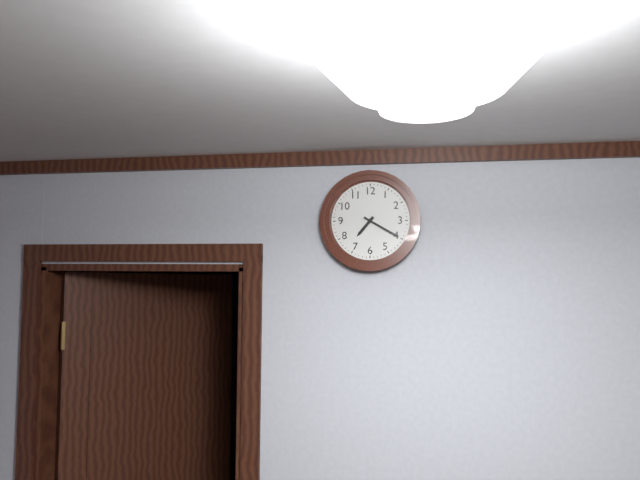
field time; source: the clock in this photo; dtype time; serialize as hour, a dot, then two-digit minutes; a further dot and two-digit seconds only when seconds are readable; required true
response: 7.20
